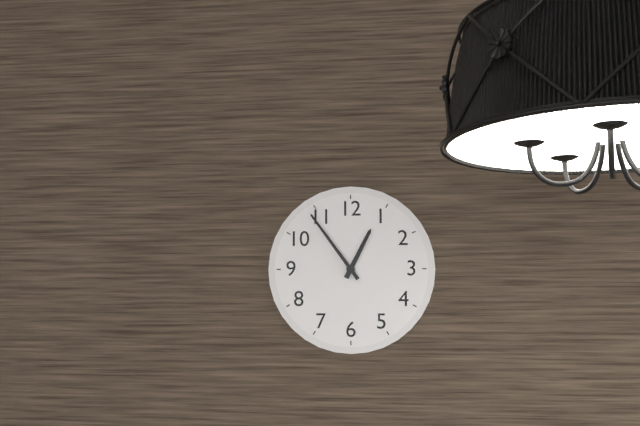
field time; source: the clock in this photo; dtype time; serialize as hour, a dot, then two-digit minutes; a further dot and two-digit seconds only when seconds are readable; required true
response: 12.54
